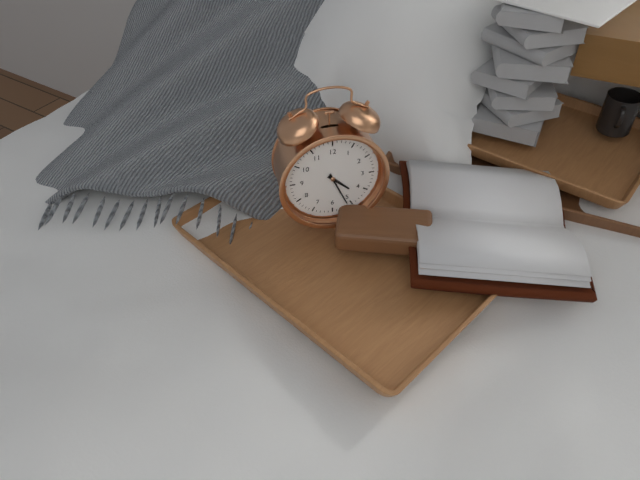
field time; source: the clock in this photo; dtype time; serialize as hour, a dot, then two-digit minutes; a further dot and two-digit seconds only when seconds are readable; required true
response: 4.26
